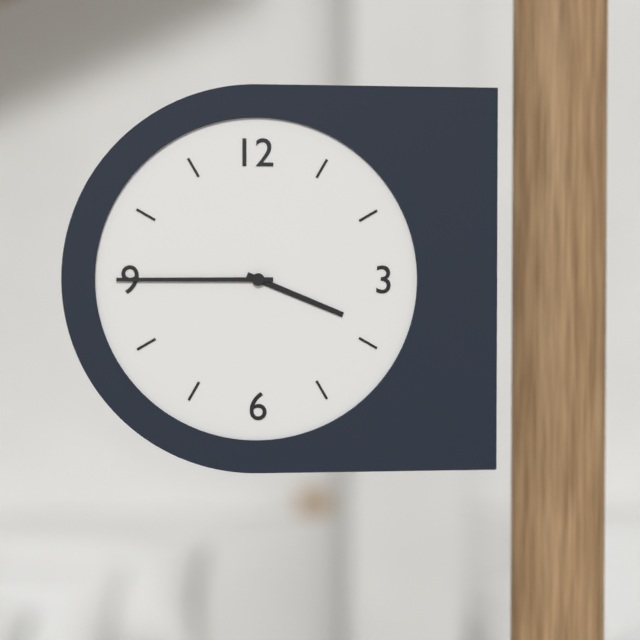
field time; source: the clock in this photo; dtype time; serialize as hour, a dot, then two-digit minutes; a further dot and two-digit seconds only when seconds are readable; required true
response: 3.45
